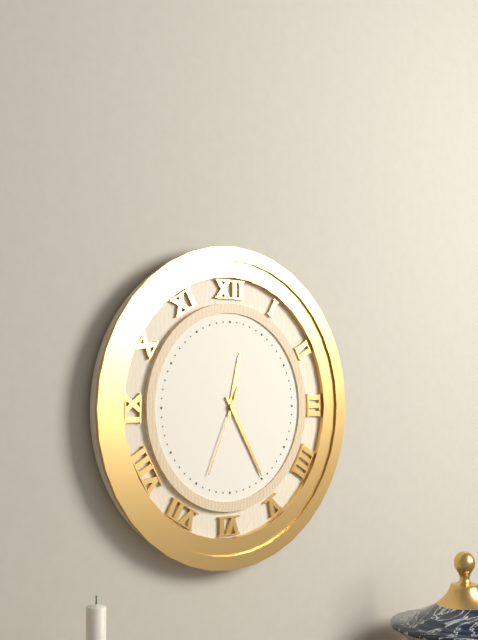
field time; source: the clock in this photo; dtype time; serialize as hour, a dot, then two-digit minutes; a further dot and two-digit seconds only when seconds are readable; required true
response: 12.25.34
